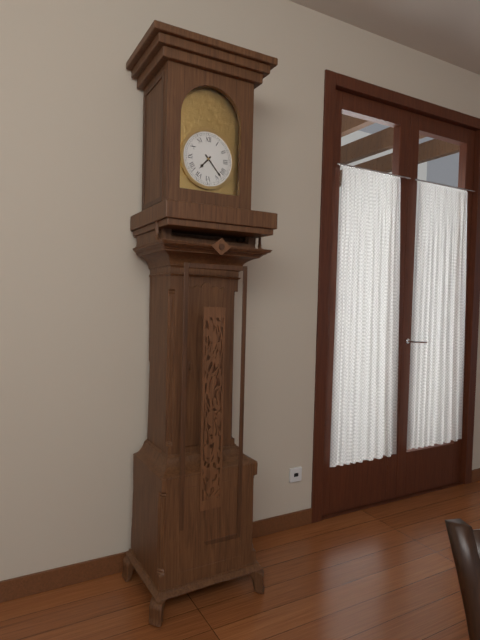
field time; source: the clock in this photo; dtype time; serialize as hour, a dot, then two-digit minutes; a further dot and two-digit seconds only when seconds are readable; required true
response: 7.23
